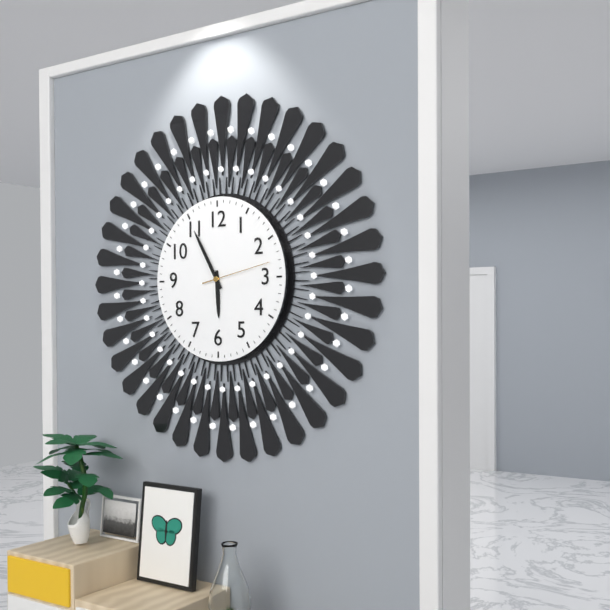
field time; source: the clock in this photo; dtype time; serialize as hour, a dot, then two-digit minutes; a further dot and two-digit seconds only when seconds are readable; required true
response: 5.55.13
